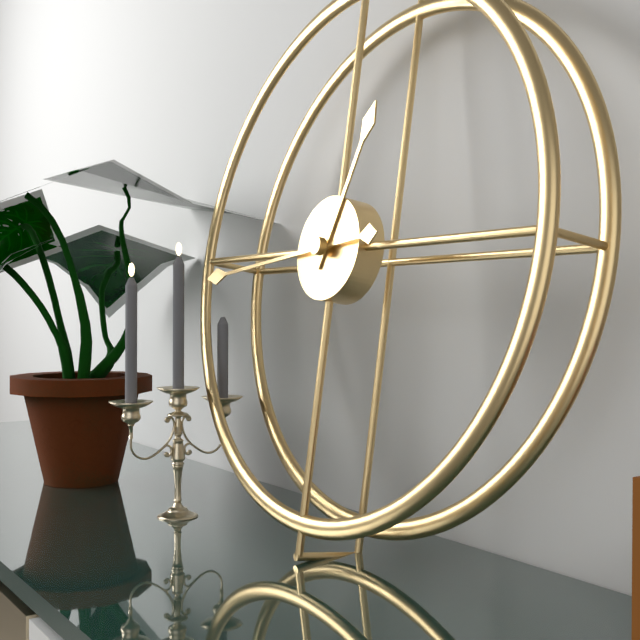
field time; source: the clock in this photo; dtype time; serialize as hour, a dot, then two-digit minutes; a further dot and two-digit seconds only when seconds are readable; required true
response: 12.44
